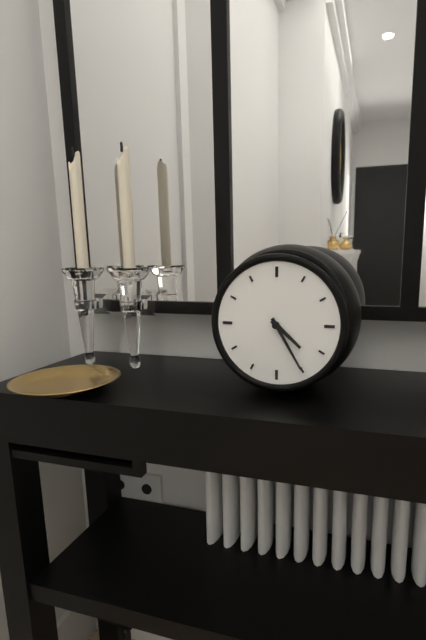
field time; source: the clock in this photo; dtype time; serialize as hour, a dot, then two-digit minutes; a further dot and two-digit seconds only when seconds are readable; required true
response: 4.25
